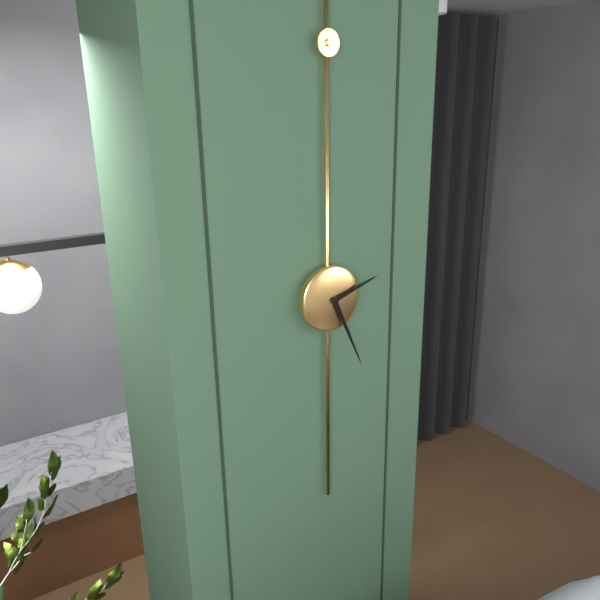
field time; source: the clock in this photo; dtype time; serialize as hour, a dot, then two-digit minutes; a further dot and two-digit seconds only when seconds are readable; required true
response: 2.26
